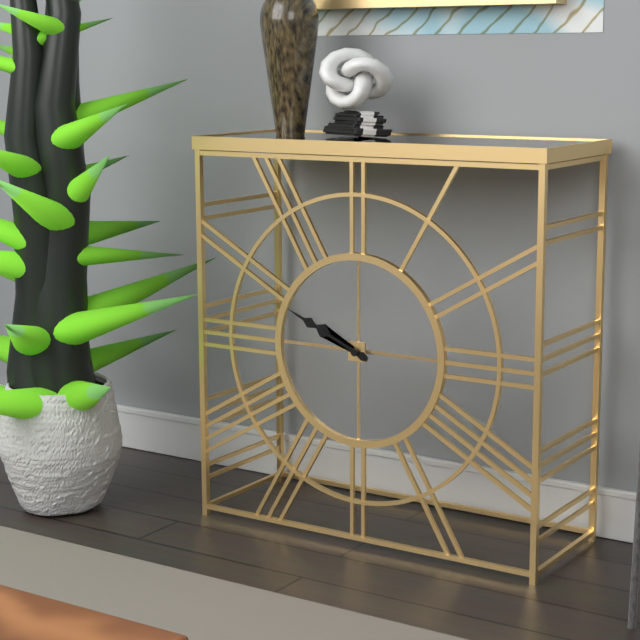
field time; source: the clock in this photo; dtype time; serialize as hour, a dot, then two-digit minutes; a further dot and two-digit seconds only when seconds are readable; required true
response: 9.49
